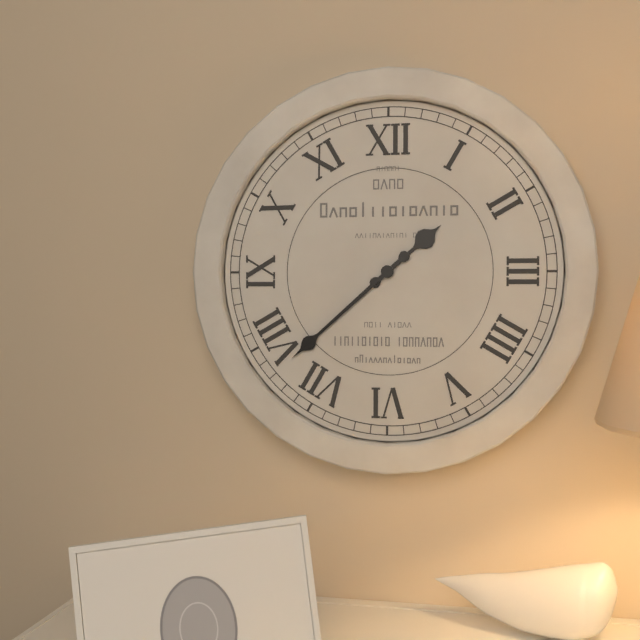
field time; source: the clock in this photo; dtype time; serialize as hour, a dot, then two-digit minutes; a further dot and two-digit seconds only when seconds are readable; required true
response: 1.38
